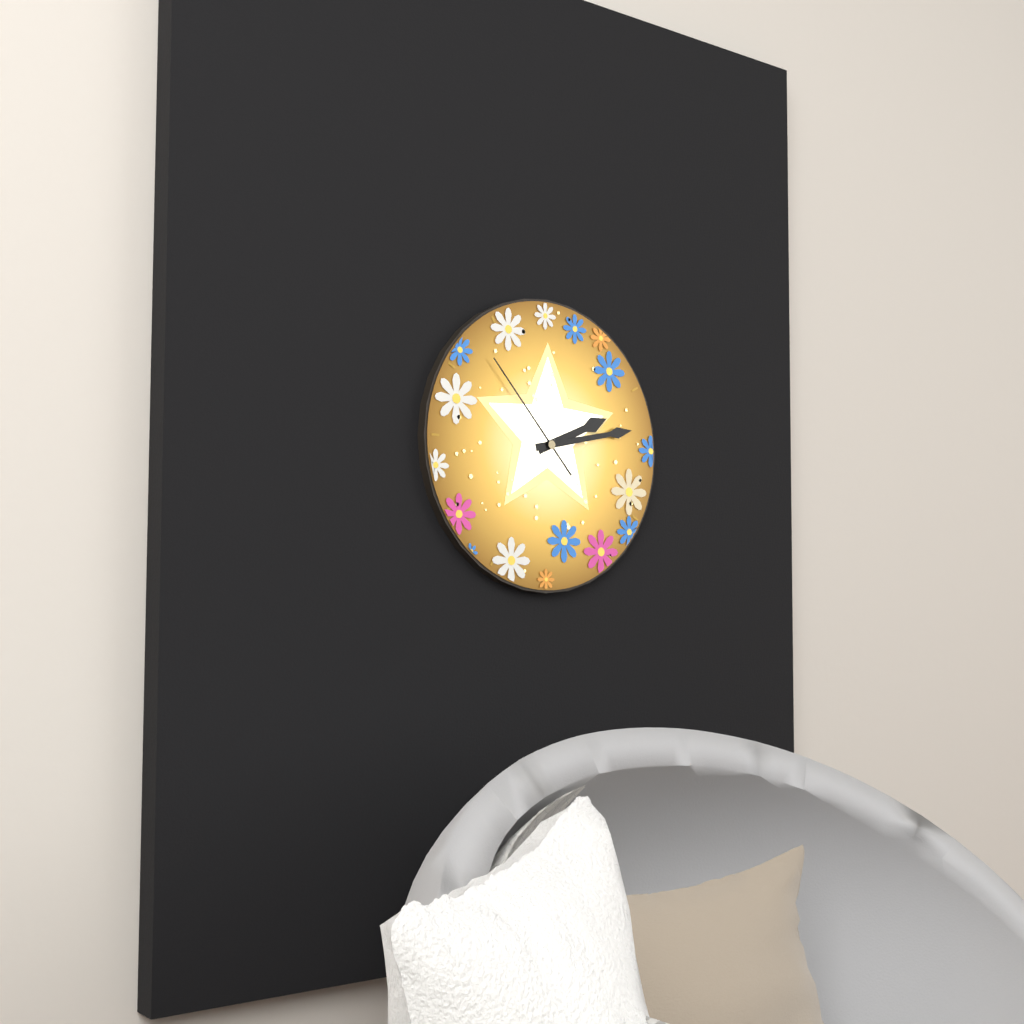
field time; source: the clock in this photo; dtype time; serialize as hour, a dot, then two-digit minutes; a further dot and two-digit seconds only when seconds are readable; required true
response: 2.13.53
